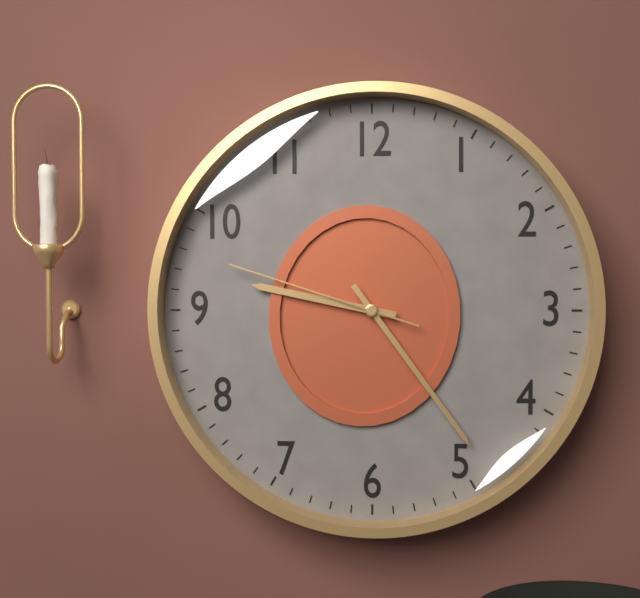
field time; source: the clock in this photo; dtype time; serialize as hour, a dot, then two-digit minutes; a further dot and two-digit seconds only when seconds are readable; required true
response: 9.24.48
